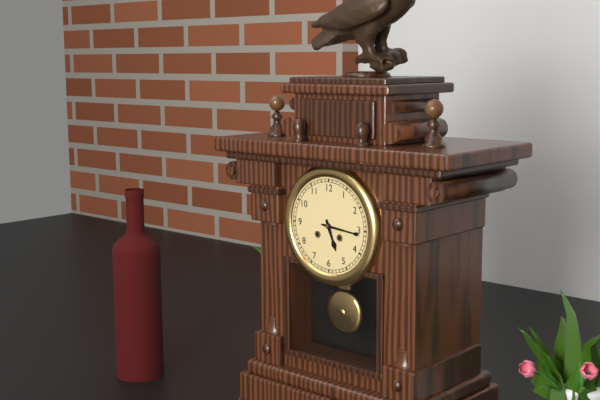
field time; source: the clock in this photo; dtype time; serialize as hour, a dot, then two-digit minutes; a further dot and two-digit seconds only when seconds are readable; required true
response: 5.16
